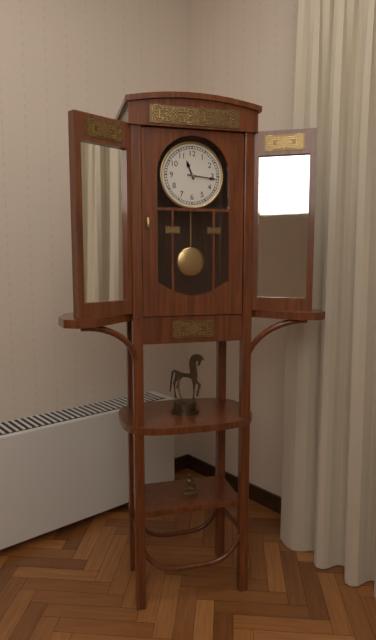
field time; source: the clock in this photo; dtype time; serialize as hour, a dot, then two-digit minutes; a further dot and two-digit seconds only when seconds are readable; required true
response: 11.16
